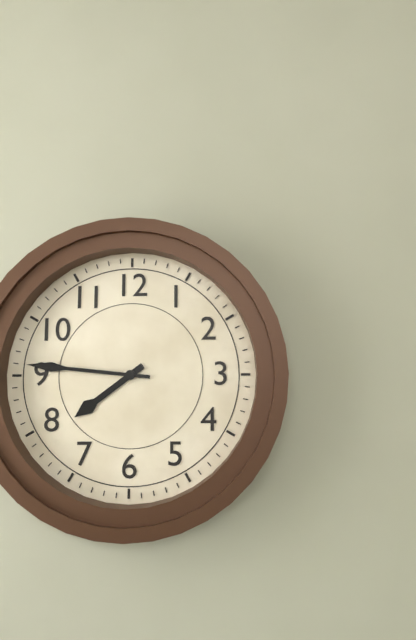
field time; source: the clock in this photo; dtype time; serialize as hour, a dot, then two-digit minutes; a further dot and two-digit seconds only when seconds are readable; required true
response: 7.46
